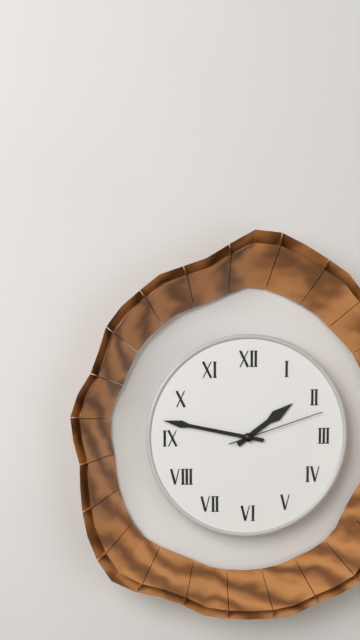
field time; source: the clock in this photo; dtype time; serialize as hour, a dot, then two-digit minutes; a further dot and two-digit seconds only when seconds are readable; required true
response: 1.47.12
